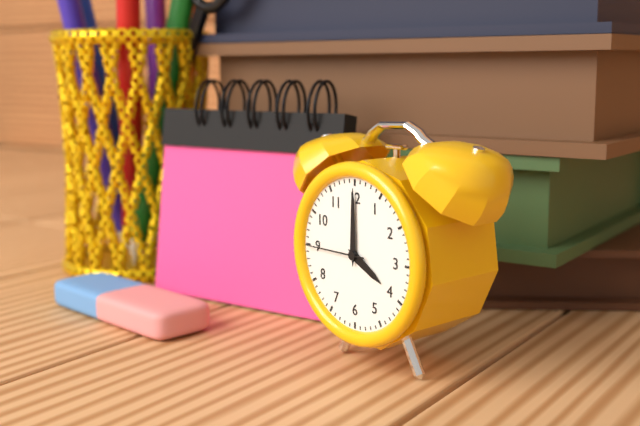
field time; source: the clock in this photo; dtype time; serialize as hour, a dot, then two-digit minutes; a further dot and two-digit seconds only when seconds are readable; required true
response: 4.00.45
